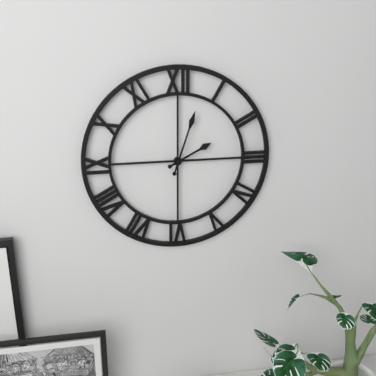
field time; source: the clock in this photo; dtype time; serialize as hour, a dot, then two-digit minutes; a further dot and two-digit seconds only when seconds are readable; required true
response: 2.03
